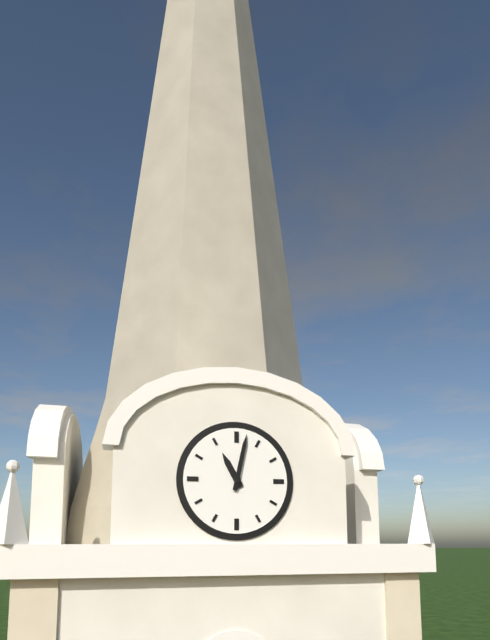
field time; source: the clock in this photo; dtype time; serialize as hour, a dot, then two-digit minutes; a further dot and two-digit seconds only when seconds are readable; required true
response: 11.02
